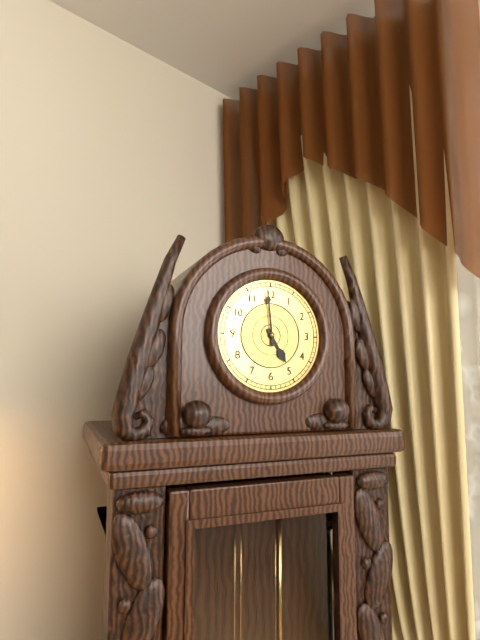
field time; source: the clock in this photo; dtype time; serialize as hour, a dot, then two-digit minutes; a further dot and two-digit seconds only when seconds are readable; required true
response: 4.59
